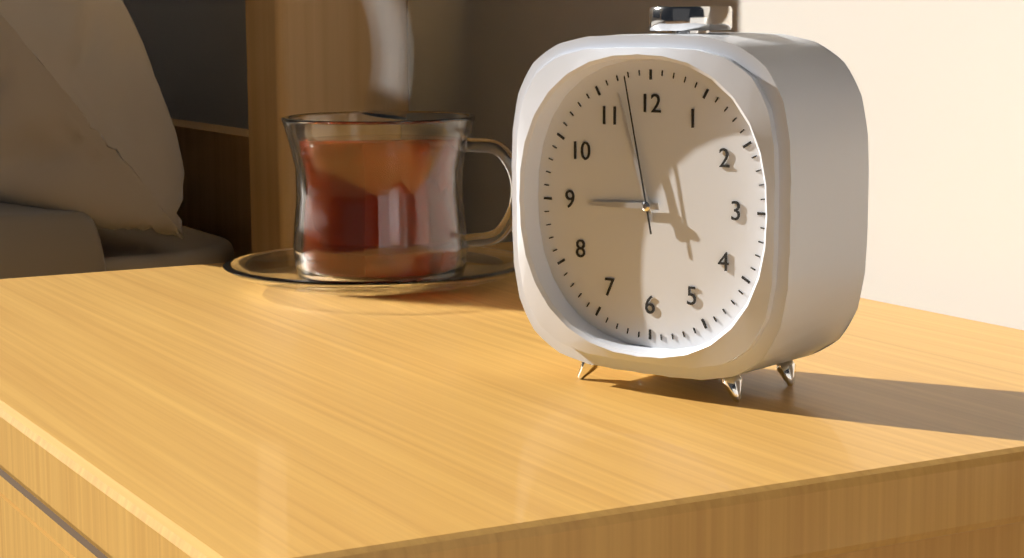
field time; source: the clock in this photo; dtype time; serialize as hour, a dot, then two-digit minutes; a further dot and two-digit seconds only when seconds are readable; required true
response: 8.57.58
